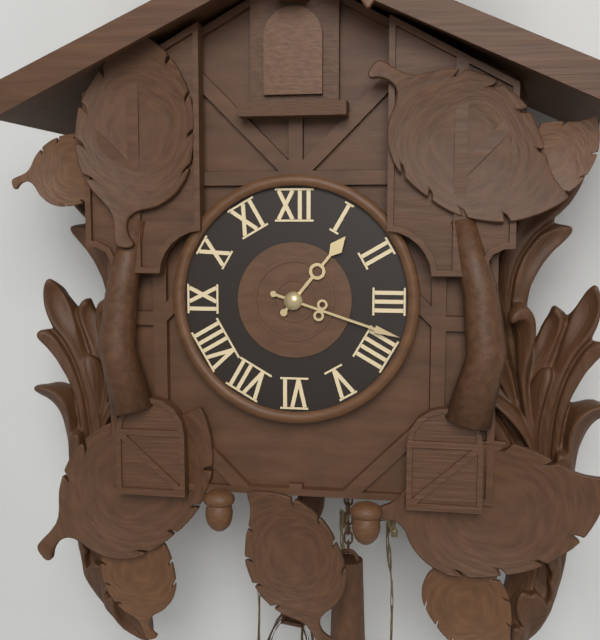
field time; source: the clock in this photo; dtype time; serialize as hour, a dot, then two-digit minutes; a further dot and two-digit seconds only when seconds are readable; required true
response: 1.18
